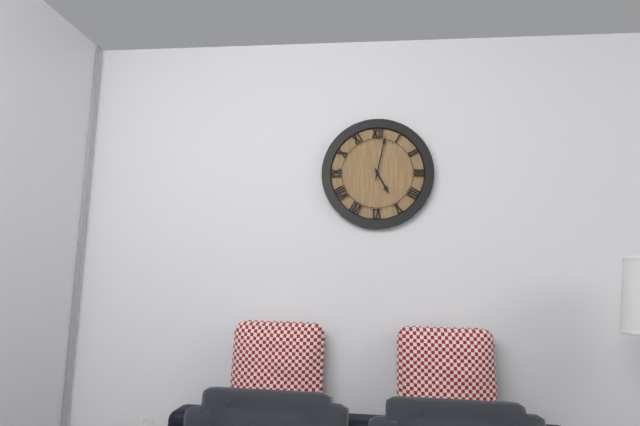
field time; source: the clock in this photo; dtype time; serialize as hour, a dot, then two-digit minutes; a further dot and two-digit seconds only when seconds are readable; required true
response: 5.02
